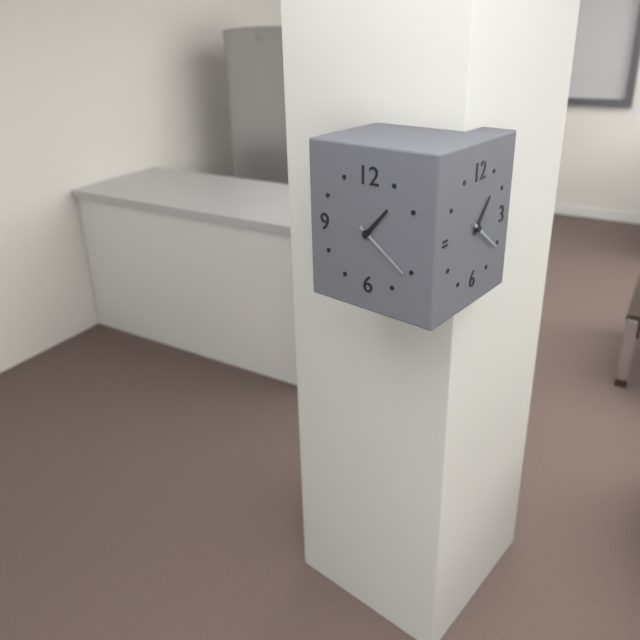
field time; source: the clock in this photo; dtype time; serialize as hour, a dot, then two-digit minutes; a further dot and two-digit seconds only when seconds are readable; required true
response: 1.21
